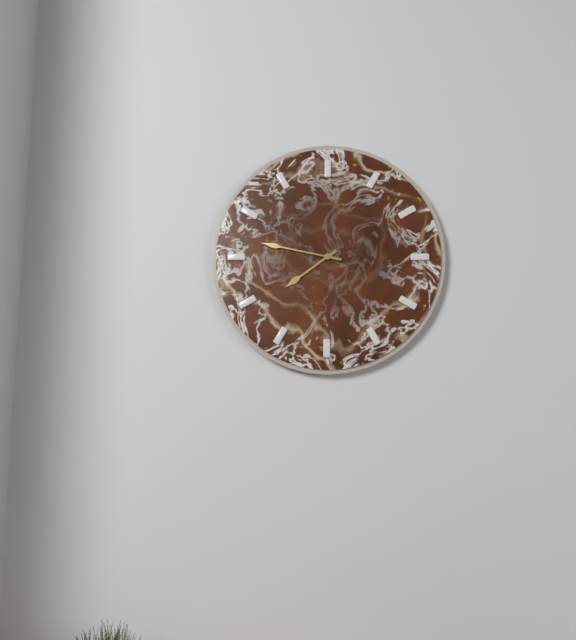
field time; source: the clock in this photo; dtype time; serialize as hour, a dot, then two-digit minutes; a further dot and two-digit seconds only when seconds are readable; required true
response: 7.47
